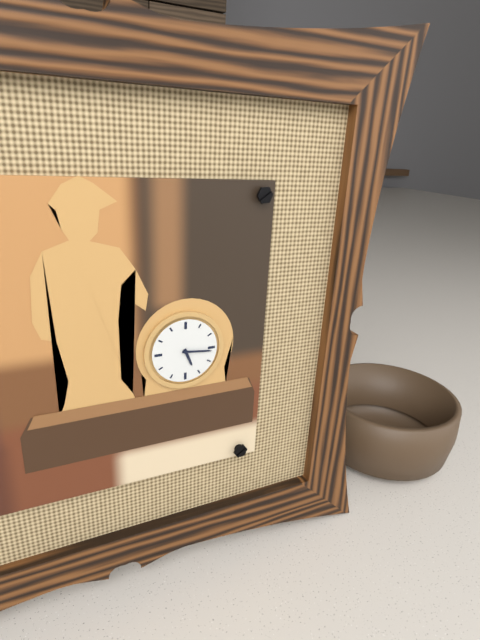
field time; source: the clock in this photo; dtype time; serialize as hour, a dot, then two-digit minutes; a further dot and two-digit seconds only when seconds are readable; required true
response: 5.16
